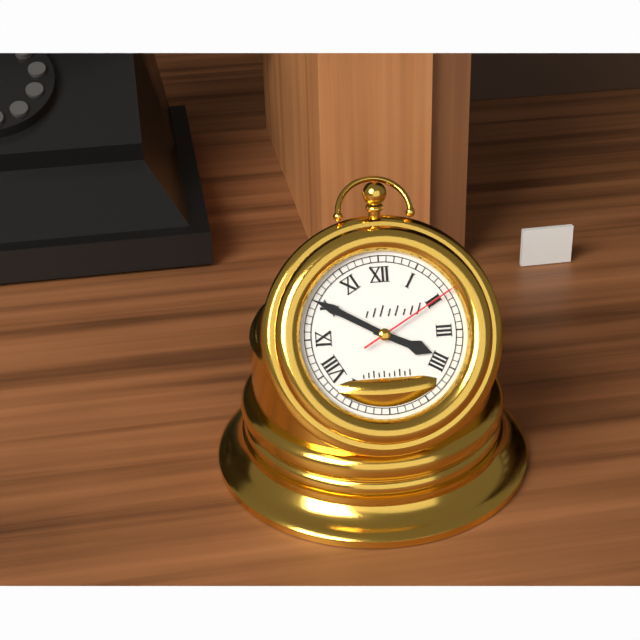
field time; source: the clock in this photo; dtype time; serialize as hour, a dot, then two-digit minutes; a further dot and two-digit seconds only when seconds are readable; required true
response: 3.50.10
